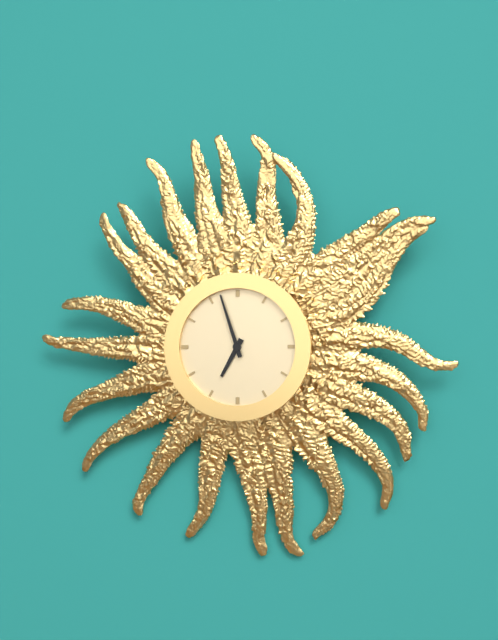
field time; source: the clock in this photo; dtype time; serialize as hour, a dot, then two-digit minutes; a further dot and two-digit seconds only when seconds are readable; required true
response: 6.57
